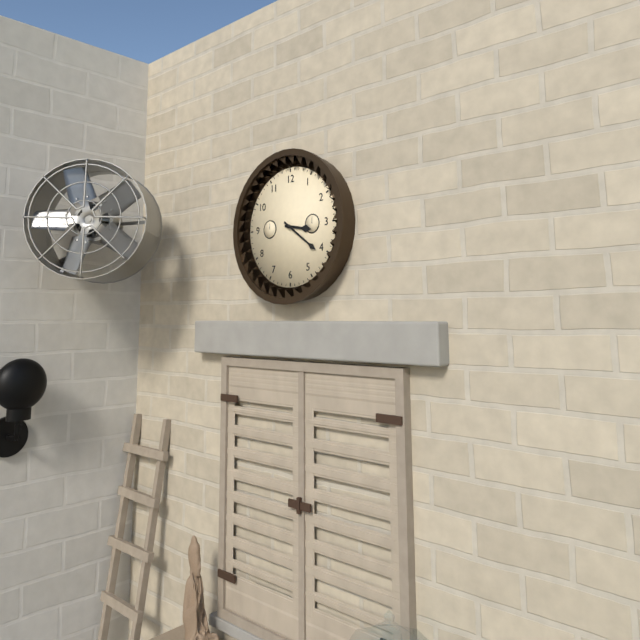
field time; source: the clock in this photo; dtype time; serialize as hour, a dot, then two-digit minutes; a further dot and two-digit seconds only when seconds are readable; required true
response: 3.21
